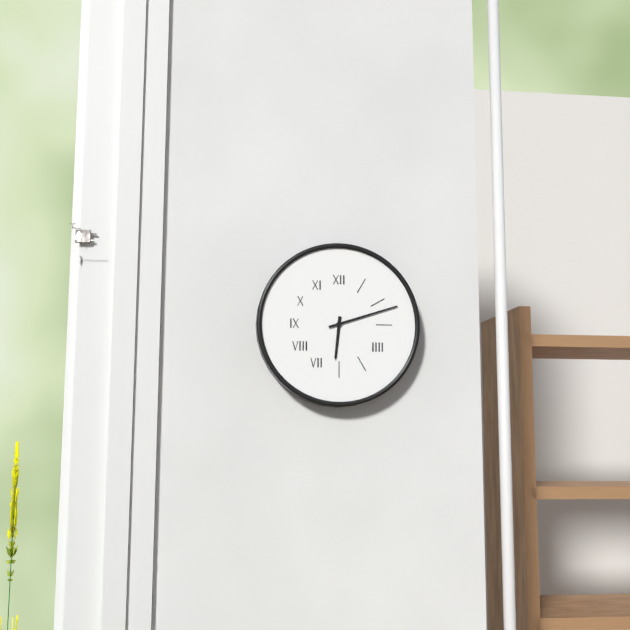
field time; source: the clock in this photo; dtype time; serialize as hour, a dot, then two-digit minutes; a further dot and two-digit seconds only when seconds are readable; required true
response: 6.12
